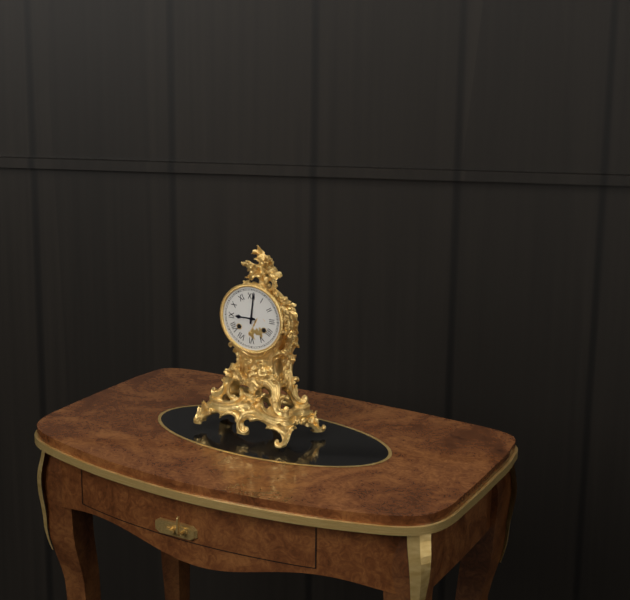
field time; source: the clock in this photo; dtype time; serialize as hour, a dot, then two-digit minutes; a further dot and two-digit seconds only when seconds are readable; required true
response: 9.01
